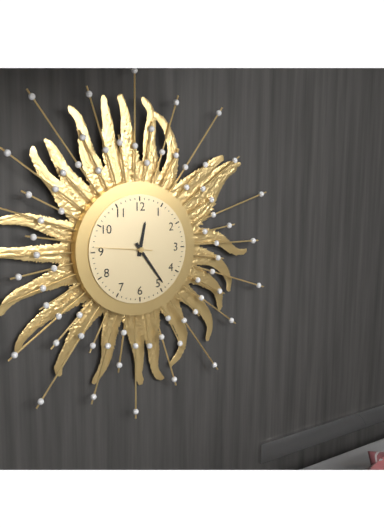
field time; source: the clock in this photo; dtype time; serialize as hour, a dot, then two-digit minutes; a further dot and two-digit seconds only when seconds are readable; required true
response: 12.24.46
